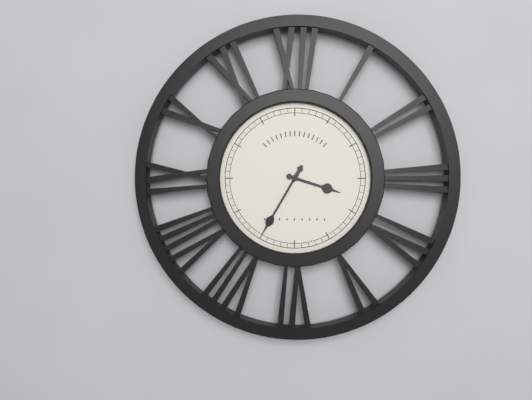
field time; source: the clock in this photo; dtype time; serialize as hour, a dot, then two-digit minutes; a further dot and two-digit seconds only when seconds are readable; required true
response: 3.35
